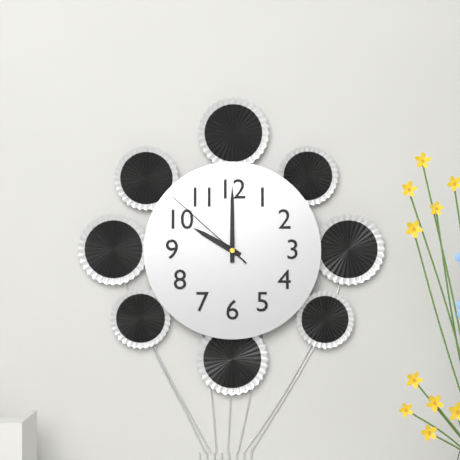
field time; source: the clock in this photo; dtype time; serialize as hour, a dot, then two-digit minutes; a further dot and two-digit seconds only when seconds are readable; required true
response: 10.00.52
